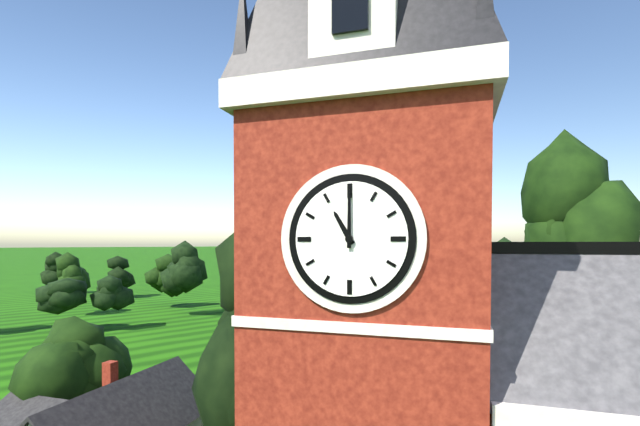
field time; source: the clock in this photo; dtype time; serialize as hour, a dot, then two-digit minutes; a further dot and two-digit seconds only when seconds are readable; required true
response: 11.00
